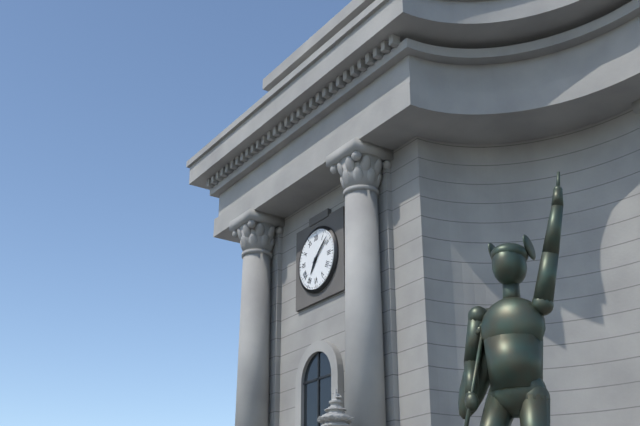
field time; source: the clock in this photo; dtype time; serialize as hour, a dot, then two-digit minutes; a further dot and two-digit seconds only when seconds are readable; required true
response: 7.08
